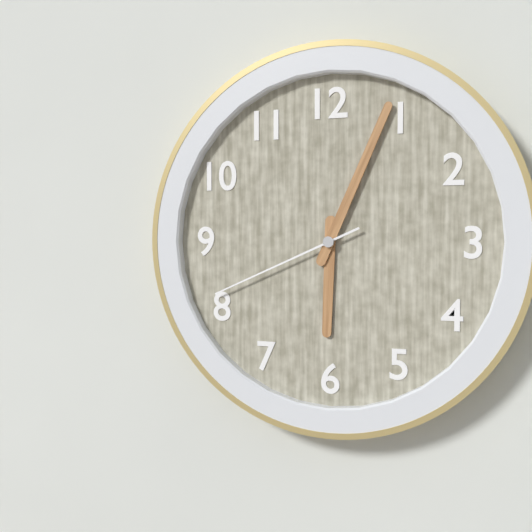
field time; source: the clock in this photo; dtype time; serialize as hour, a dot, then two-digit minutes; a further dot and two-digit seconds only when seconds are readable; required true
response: 6.04.41
